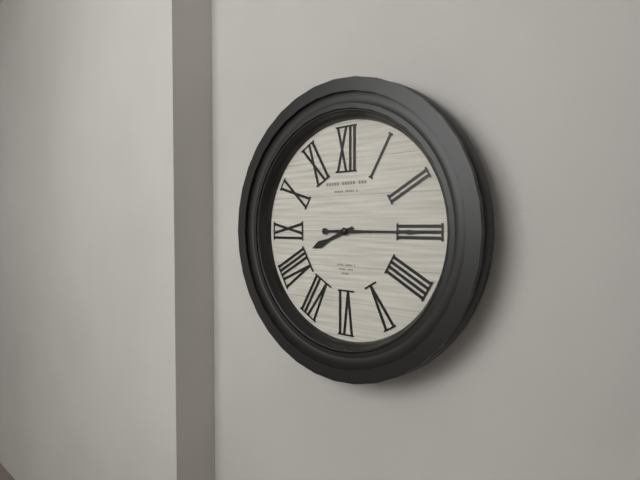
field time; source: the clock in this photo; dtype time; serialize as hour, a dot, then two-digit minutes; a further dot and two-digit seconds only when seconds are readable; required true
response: 8.15
